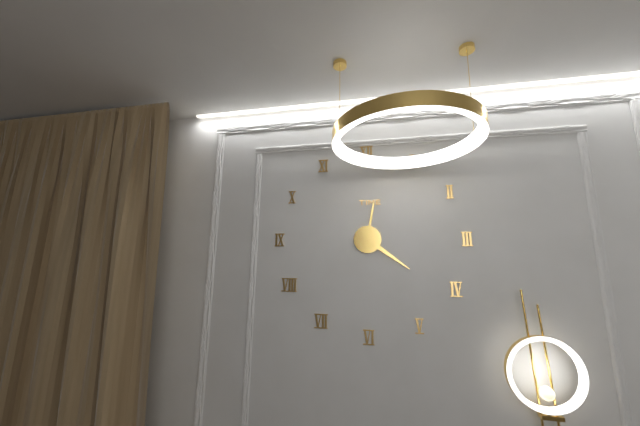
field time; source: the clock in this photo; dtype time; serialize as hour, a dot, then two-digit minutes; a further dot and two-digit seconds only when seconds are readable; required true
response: 12.21
